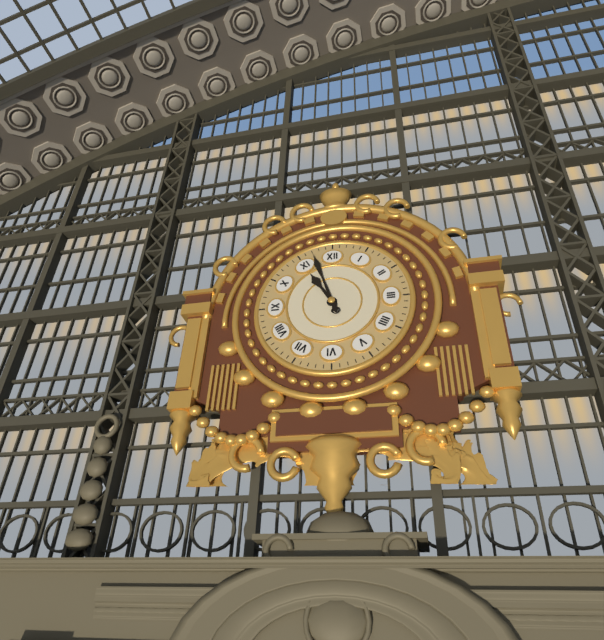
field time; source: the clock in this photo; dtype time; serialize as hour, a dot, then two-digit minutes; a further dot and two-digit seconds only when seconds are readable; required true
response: 10.57
